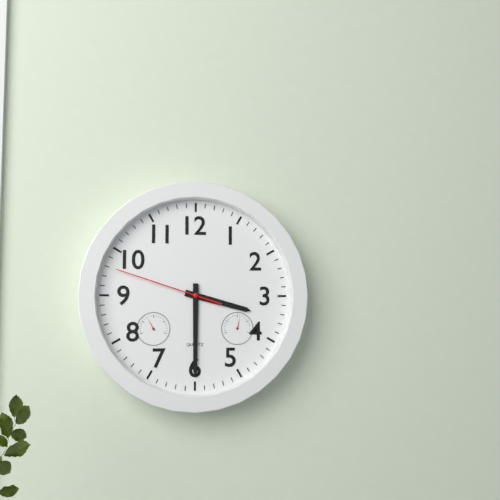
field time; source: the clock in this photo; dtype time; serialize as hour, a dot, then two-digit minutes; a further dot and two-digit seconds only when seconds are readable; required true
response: 3.30.48
